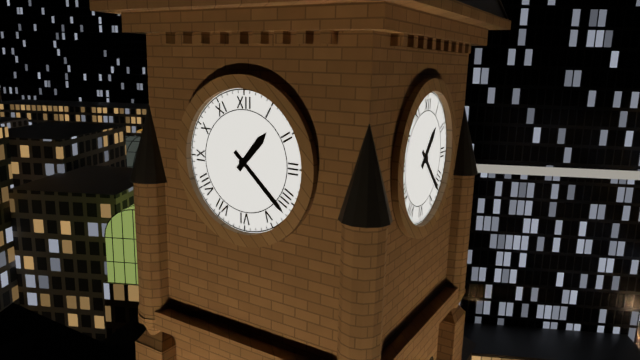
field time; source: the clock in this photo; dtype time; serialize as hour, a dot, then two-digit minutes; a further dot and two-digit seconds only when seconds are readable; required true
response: 1.22
